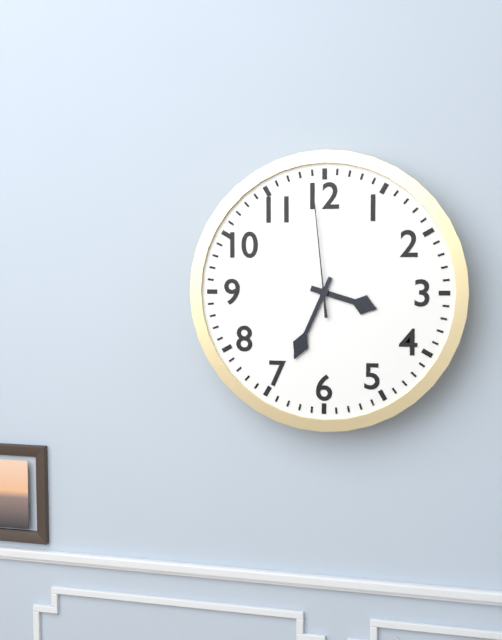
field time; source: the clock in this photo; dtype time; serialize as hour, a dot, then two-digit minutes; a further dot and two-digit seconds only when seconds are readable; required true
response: 3.34.59
